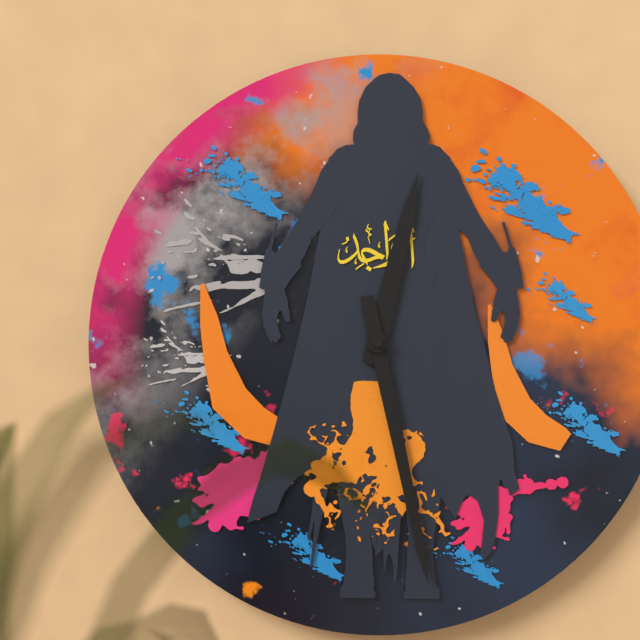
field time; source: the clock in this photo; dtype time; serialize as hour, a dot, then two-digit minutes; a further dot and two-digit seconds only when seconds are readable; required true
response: 12.28
